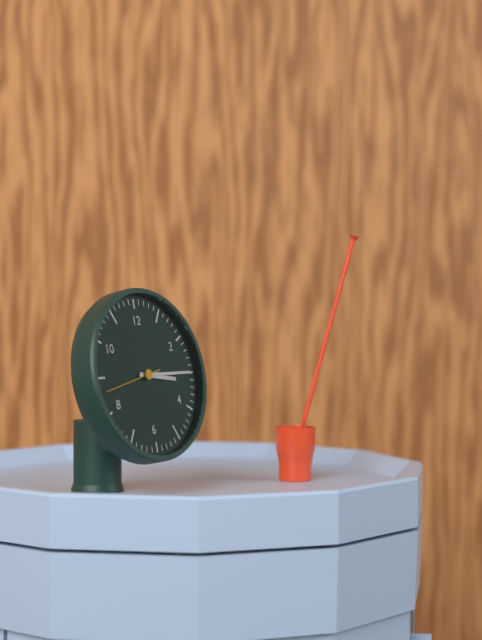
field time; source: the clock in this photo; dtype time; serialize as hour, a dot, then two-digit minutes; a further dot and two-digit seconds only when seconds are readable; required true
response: 3.15.43
